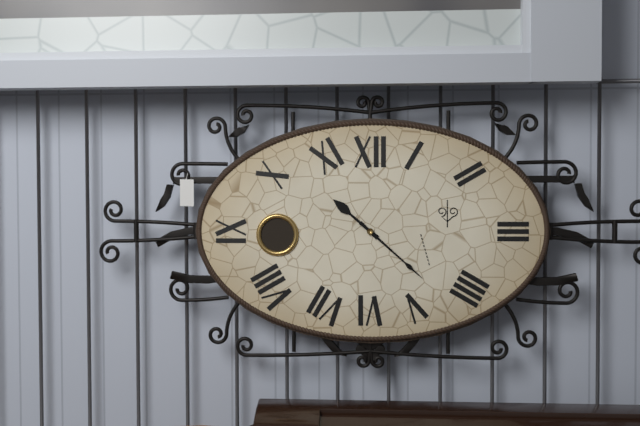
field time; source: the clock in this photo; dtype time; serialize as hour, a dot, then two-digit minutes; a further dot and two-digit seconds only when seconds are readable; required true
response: 10.22
